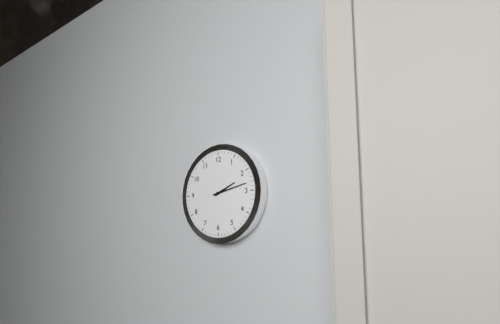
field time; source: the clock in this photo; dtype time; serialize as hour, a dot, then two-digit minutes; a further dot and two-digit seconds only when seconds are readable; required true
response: 2.13
